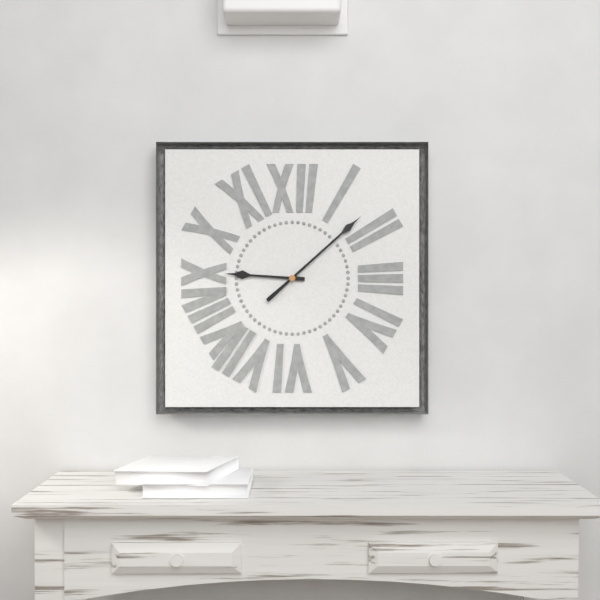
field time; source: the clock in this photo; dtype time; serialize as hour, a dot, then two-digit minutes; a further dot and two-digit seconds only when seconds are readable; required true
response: 9.08
